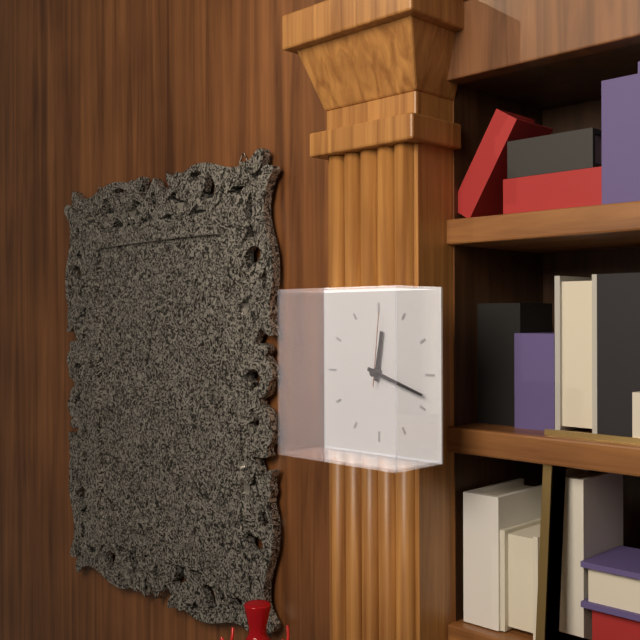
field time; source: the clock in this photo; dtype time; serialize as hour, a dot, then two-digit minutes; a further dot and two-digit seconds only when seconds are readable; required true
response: 12.18.01
